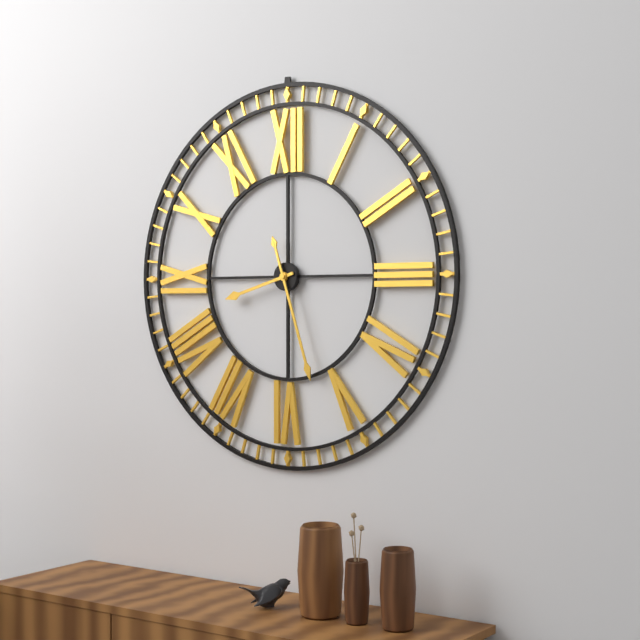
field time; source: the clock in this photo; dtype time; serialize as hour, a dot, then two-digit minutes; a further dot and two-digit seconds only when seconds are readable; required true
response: 8.27
